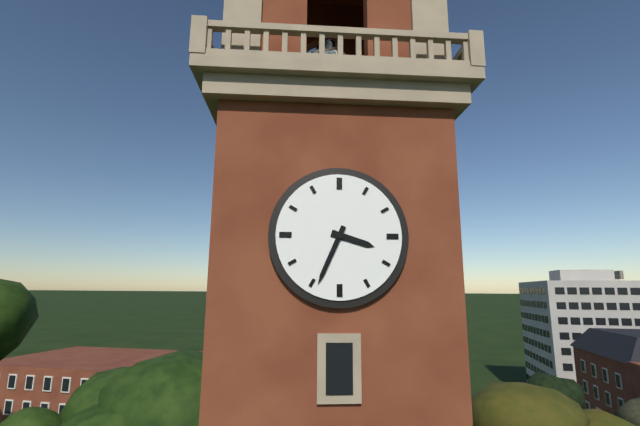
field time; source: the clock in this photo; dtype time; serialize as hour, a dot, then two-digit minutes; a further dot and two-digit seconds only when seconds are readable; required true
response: 3.34
